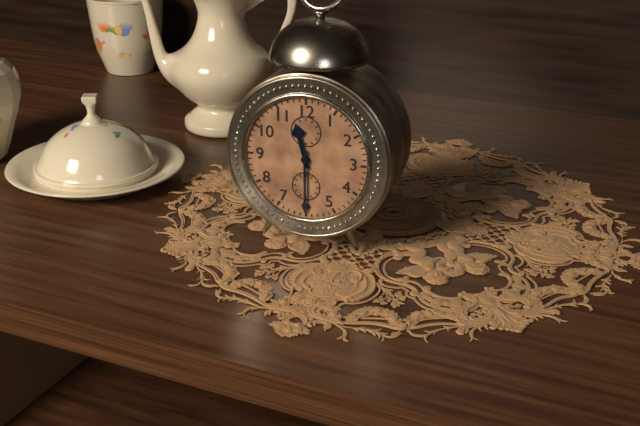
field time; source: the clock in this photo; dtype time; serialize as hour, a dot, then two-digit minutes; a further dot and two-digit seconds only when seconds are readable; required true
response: 11.30
